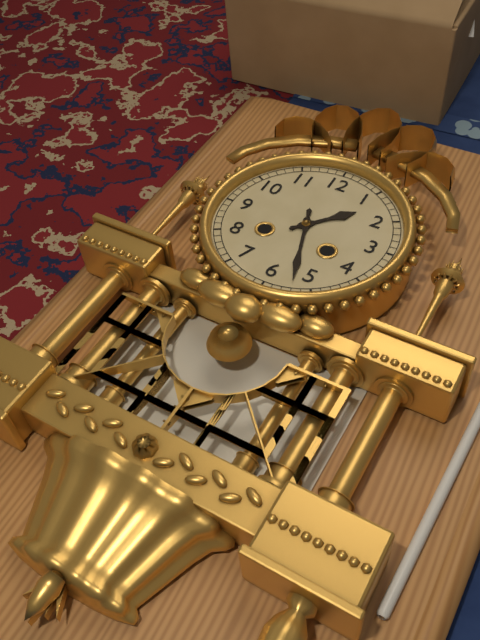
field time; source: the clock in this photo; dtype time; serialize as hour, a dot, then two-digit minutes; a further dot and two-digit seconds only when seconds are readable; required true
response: 1.27
